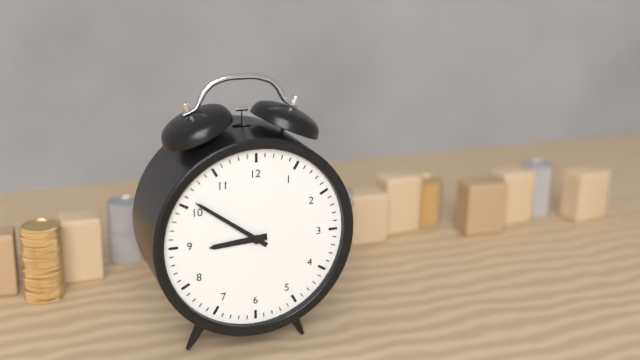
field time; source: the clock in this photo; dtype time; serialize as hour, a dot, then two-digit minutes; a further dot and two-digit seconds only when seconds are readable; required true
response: 8.51
